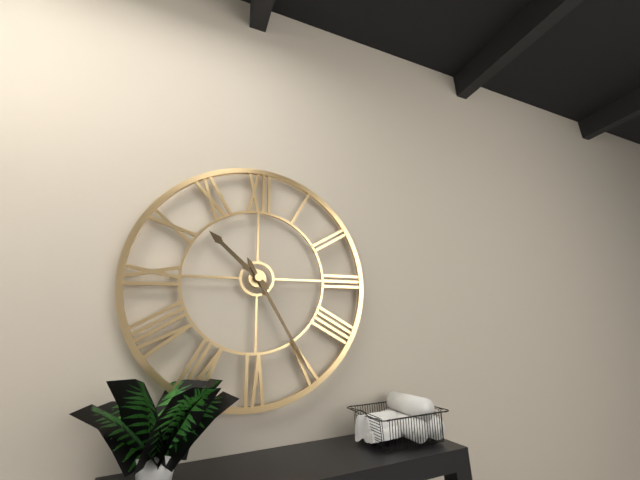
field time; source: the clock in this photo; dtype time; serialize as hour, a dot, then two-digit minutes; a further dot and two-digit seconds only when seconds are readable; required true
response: 10.25
